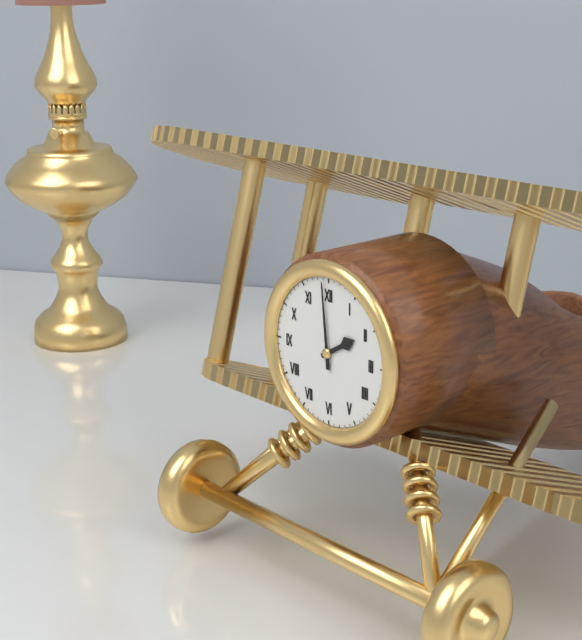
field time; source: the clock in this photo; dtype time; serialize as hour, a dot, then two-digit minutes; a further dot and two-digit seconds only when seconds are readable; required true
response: 1.59
